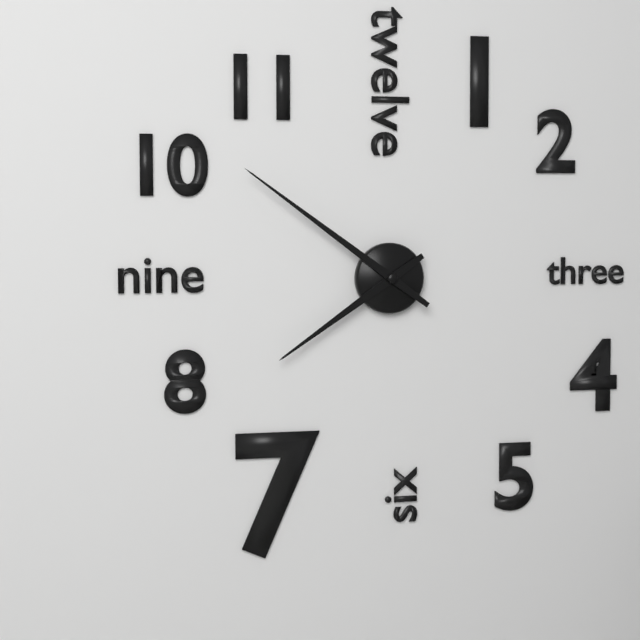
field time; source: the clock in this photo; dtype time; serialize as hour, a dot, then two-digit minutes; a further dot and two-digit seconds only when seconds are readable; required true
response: 7.51
